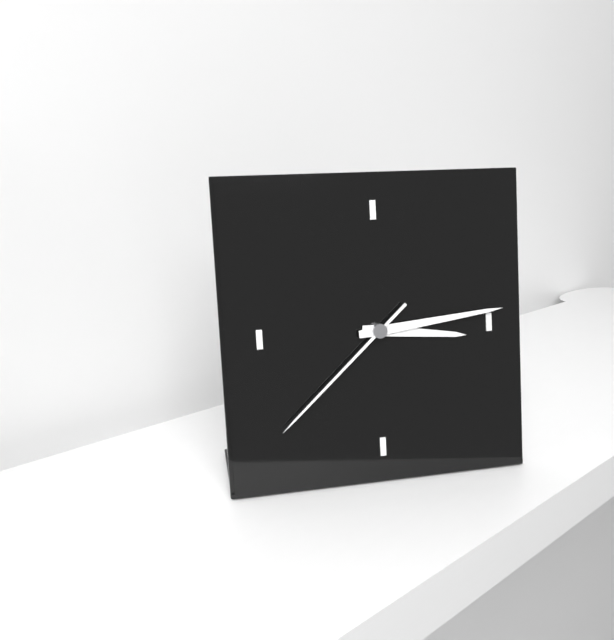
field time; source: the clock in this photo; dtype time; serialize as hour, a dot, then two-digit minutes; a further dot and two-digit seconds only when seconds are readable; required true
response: 3.14.38
